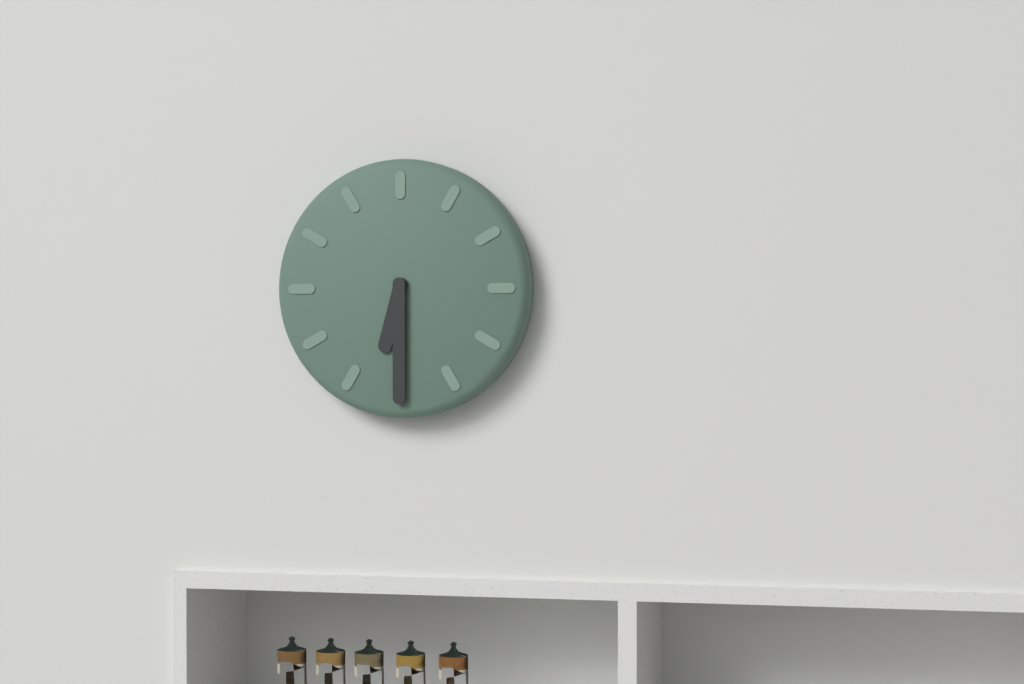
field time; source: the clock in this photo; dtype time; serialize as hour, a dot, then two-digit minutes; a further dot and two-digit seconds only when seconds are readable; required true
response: 6.30
